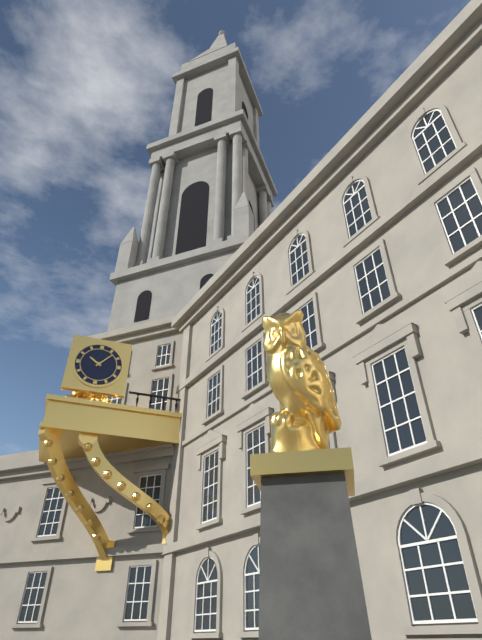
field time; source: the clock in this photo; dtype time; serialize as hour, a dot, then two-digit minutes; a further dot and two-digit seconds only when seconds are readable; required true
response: 10.07
